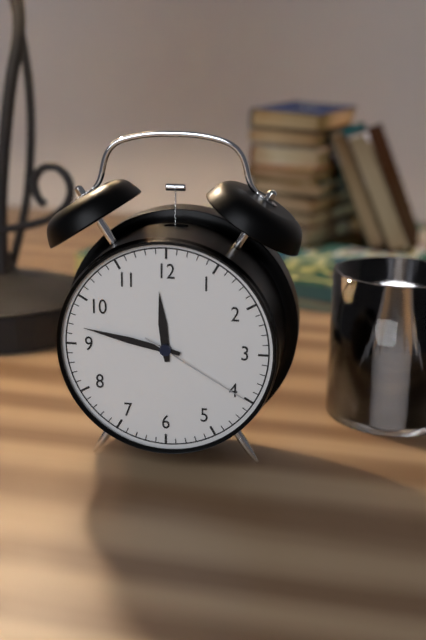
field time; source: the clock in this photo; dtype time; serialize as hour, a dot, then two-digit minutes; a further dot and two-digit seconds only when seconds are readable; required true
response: 11.47.20
